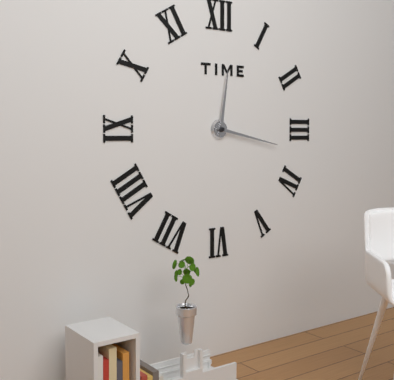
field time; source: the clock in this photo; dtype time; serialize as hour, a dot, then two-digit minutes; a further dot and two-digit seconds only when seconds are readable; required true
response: 12.17
